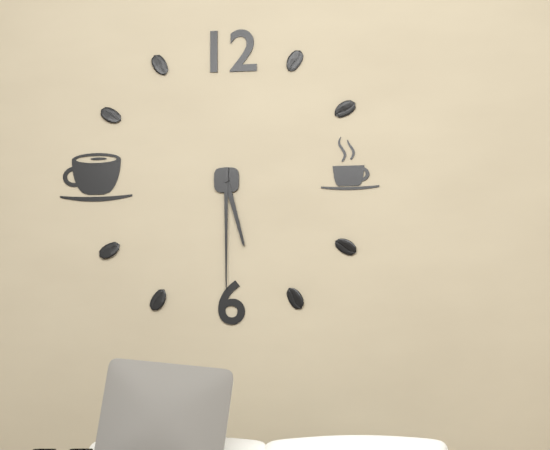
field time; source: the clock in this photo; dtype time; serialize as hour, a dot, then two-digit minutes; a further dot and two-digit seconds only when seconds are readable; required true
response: 5.30
